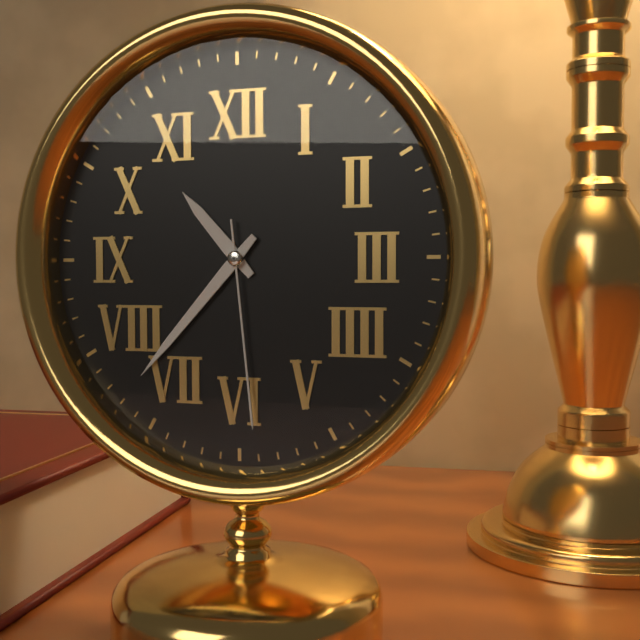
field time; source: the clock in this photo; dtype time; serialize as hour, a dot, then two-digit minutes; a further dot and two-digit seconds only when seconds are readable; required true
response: 10.37.29
